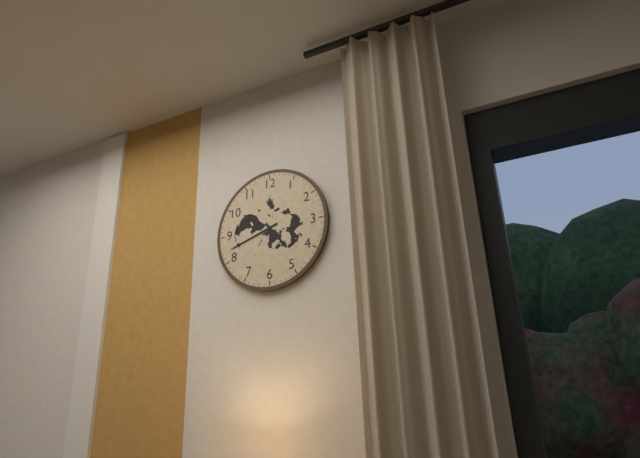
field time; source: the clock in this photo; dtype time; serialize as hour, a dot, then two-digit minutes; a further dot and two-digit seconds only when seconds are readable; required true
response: 4.42
